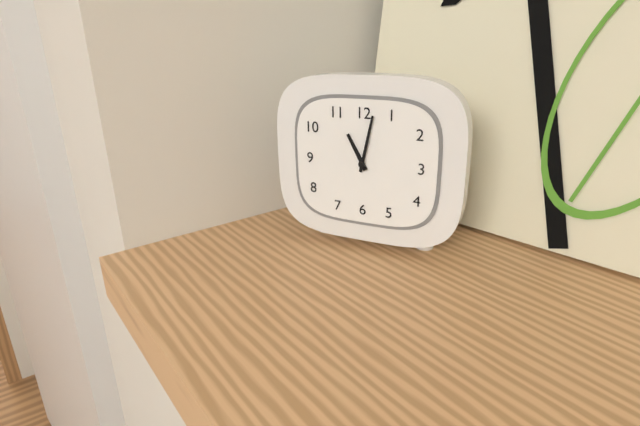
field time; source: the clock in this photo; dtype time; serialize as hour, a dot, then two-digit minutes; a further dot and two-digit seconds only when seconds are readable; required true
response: 11.02
